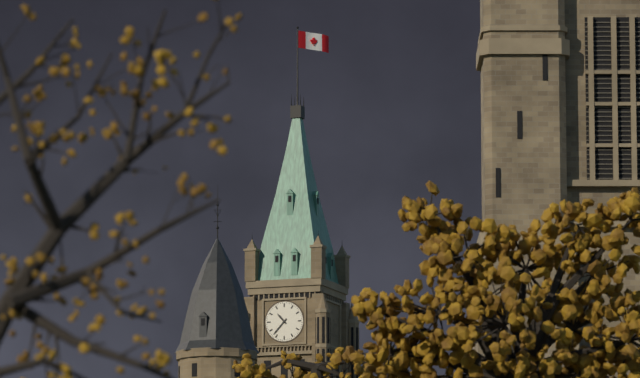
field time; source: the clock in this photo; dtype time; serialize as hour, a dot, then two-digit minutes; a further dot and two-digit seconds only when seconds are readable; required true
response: 10.37
